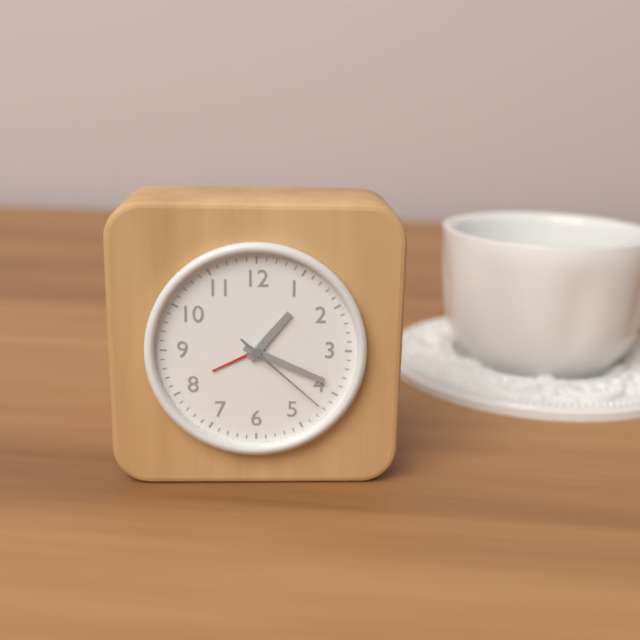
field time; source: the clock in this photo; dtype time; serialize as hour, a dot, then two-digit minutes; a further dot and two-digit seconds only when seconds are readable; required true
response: 1.19.22
